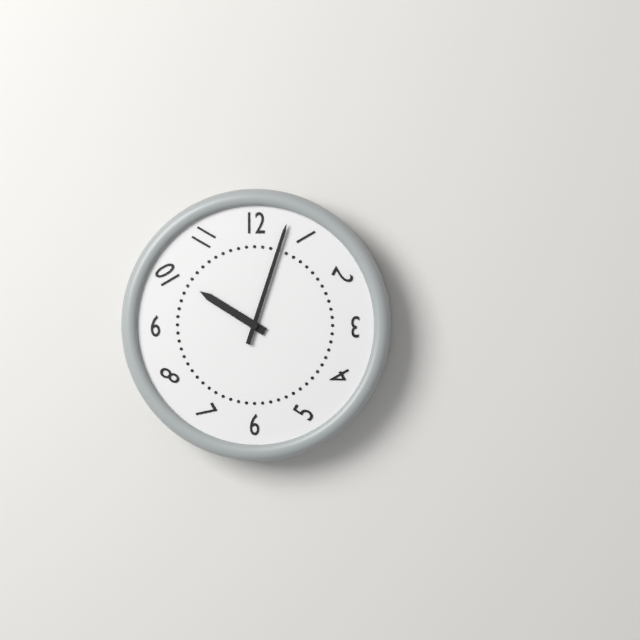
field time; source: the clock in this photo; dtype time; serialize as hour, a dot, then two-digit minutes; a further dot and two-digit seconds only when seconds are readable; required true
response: 10.03
